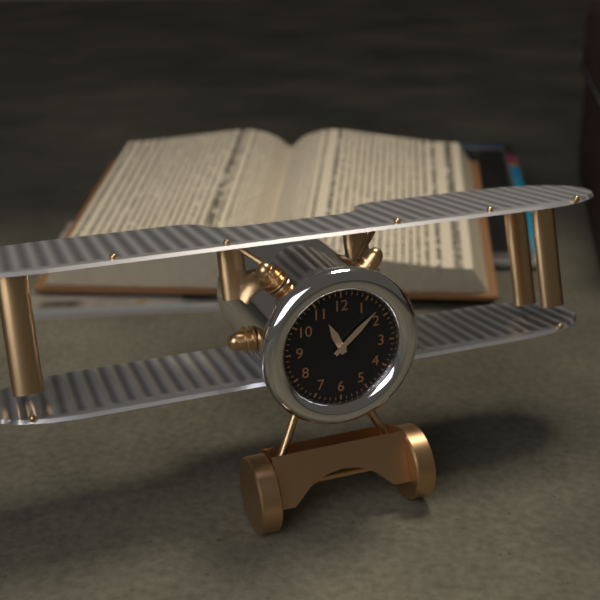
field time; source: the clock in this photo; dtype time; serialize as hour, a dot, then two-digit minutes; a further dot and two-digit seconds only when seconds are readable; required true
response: 11.08
